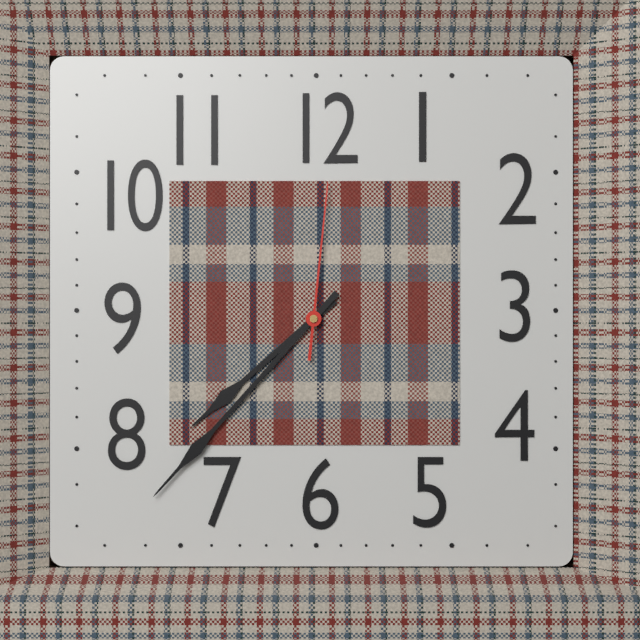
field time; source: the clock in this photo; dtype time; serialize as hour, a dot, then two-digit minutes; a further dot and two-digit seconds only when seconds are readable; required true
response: 7.37.01
